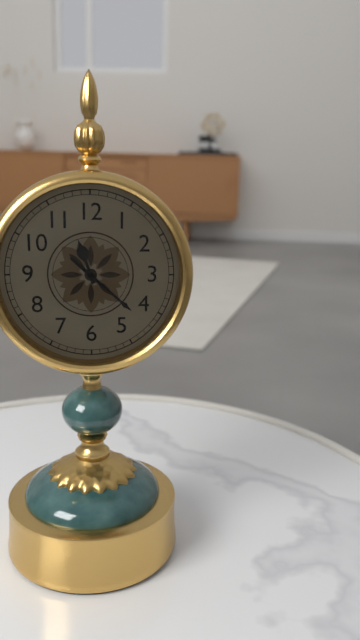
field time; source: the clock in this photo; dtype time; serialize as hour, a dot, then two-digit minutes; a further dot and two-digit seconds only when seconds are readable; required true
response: 11.22
